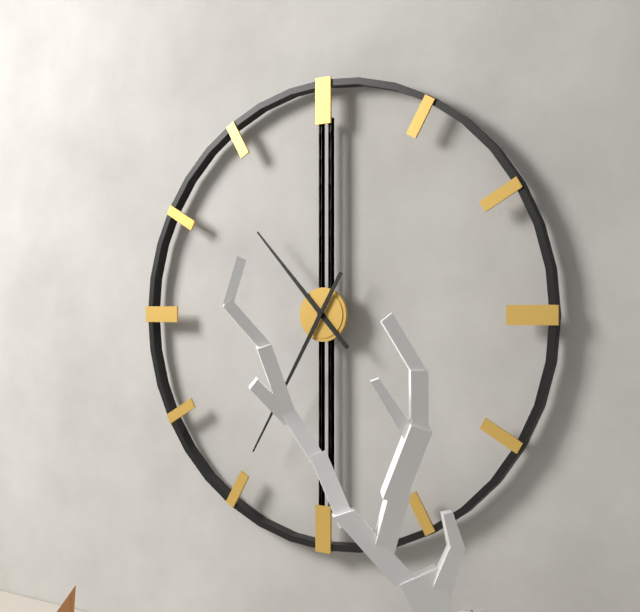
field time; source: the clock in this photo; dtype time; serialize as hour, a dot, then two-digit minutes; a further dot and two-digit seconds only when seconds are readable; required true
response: 10.35
